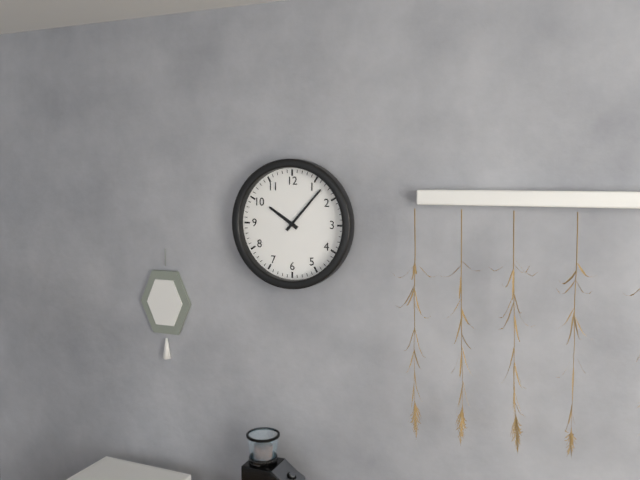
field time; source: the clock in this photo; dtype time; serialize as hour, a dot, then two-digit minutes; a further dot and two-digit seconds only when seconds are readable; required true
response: 10.07
